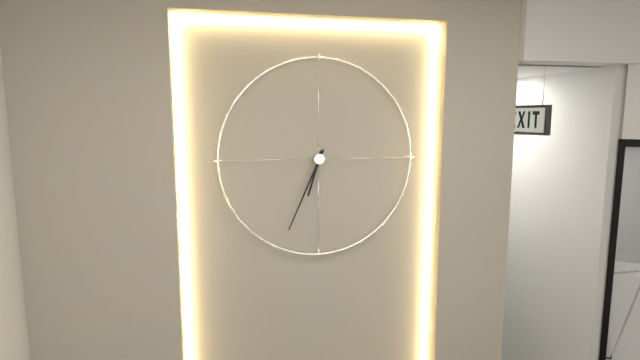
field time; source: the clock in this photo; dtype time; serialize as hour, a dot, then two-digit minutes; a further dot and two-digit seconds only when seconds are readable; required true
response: 6.34
